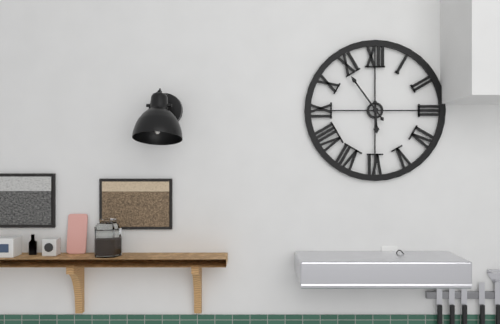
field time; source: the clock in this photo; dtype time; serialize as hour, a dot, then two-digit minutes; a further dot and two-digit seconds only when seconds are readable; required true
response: 5.54
